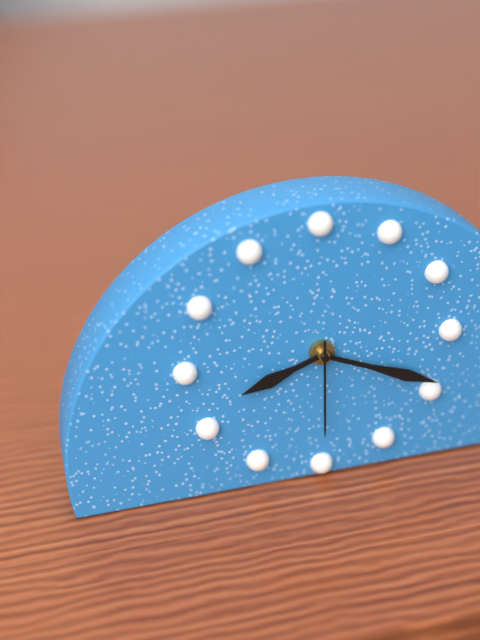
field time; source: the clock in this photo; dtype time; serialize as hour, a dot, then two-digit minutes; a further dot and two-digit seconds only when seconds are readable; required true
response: 8.19.30
